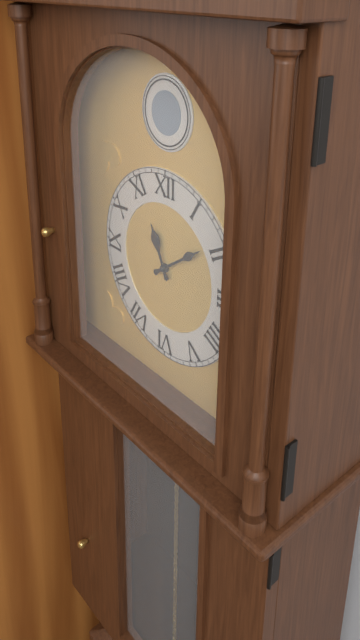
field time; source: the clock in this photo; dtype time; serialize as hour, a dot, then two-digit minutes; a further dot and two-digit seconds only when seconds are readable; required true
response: 11.09
